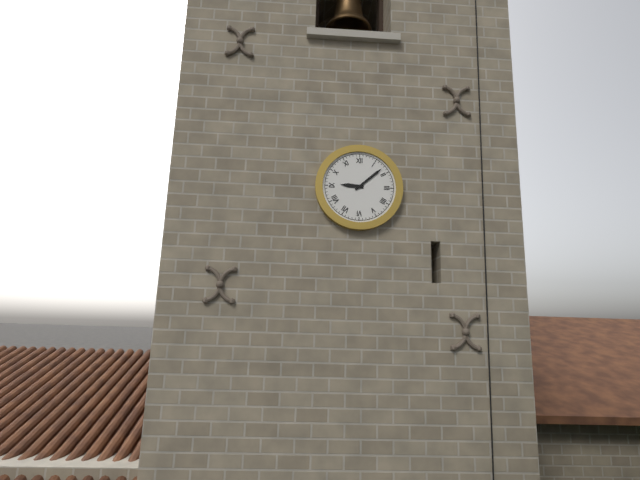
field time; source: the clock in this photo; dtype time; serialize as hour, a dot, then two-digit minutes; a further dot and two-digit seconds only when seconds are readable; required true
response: 9.08
